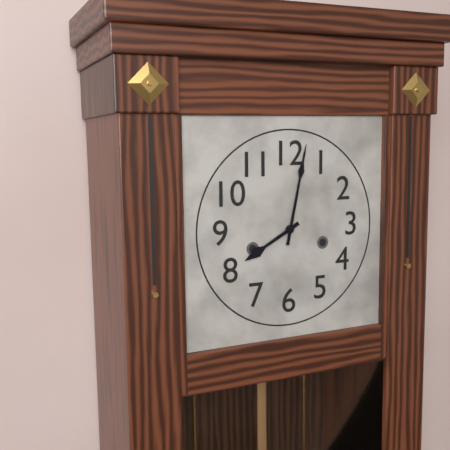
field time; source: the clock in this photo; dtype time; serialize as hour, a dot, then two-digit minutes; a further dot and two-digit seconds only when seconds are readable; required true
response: 8.02
